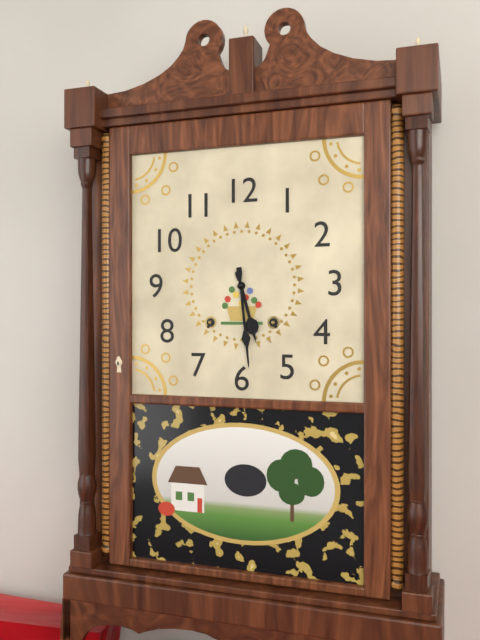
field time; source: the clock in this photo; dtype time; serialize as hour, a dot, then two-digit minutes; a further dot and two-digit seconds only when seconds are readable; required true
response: 5.29
